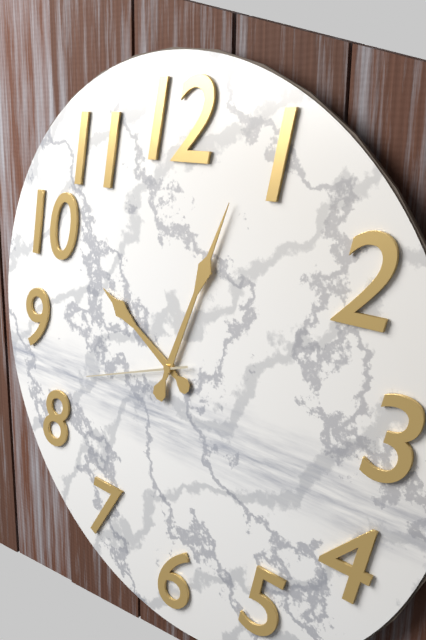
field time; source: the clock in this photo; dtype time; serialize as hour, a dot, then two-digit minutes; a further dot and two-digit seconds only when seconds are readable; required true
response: 10.04.42
